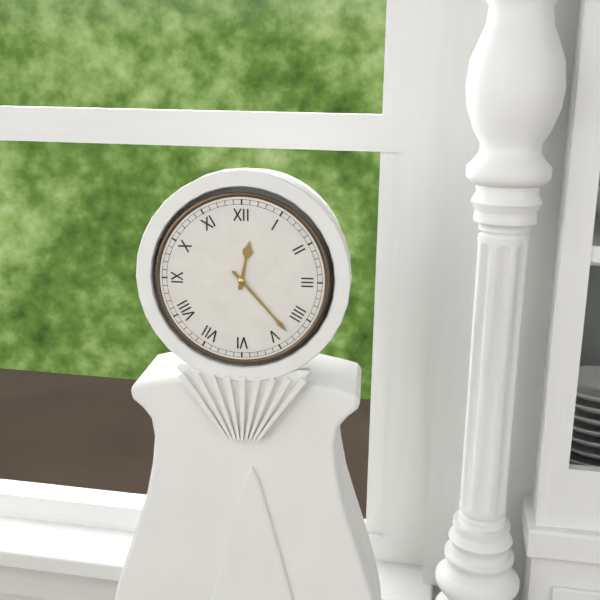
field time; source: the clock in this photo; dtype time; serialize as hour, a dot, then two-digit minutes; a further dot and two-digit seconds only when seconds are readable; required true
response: 12.23
